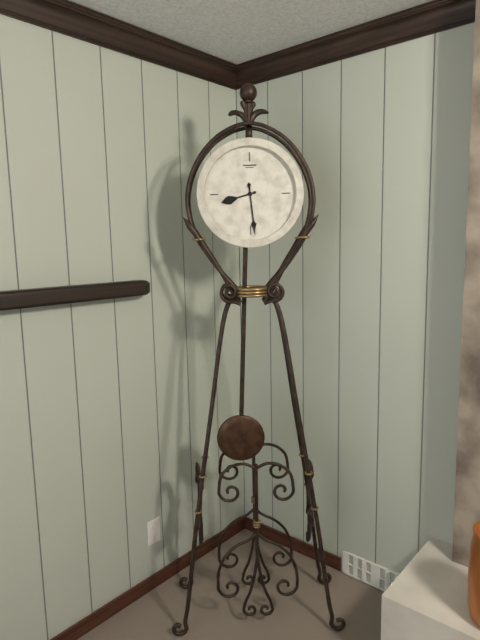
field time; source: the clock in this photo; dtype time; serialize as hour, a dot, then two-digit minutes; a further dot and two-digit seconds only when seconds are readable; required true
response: 8.29
